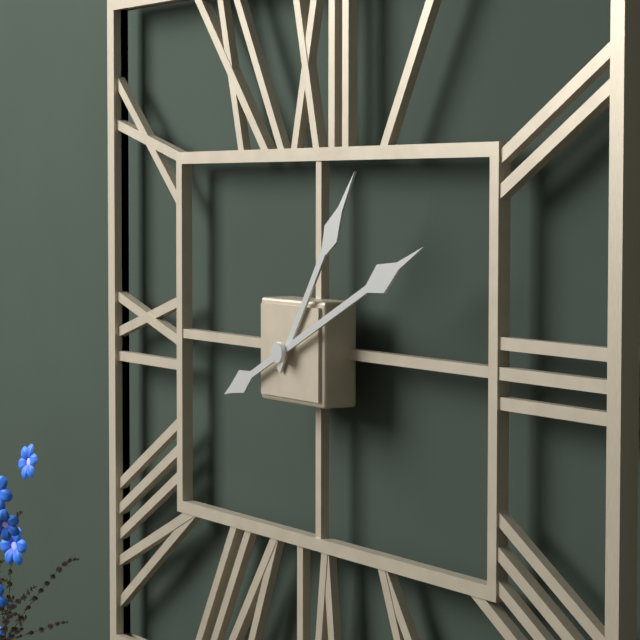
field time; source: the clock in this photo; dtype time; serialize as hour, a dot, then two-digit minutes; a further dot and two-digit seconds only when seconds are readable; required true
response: 1.11
